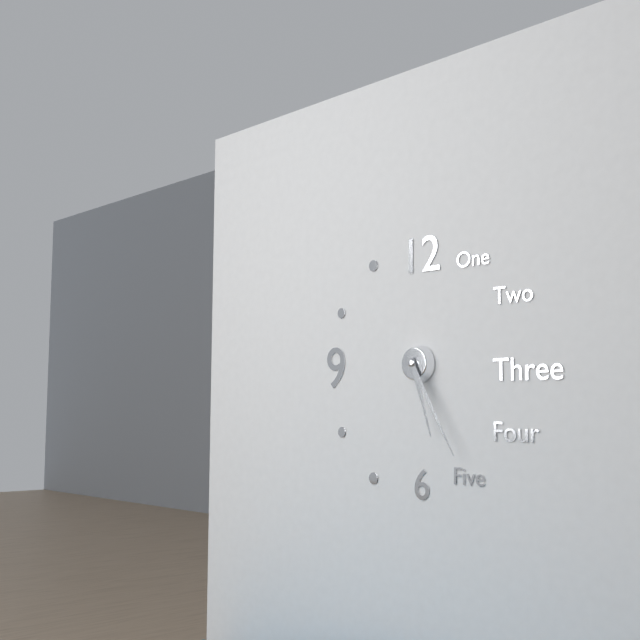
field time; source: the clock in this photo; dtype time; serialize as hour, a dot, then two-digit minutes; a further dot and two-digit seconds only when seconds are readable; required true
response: 5.25
